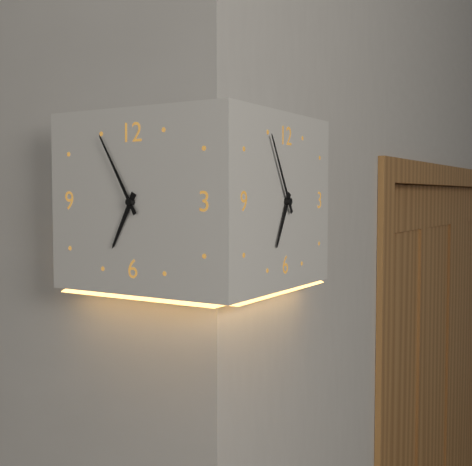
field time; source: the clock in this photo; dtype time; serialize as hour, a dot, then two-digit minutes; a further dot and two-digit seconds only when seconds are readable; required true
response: 6.55
